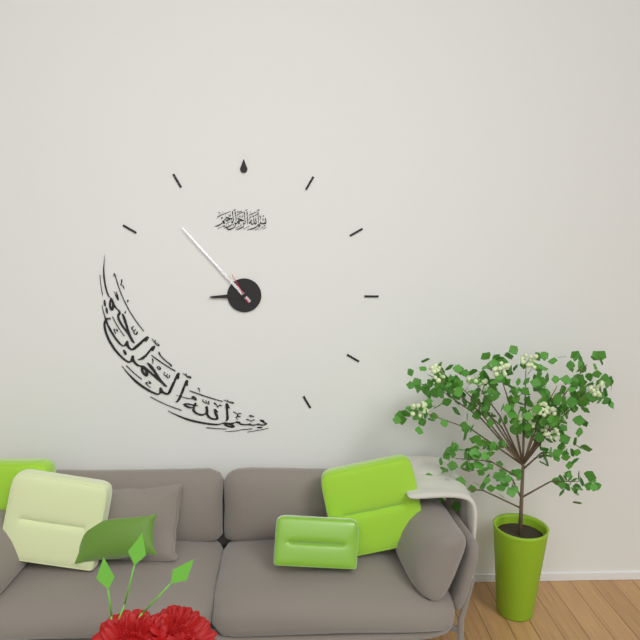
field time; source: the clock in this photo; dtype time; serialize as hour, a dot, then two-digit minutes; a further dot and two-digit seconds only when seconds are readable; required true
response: 8.53
